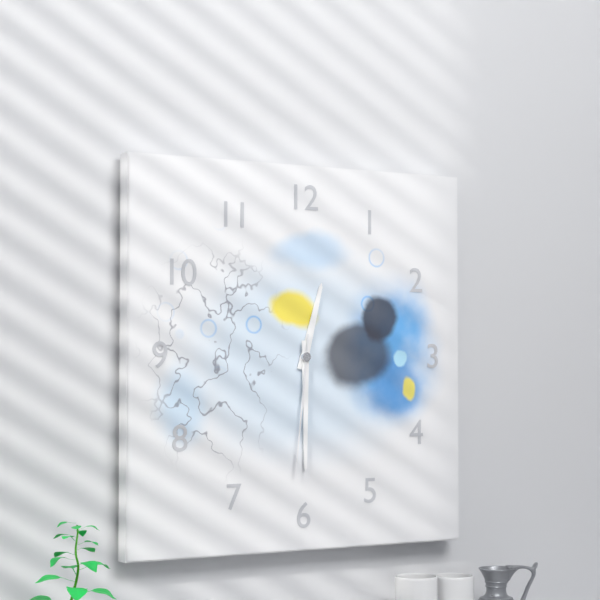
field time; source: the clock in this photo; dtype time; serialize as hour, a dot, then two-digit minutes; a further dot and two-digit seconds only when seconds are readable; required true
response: 12.30.31
